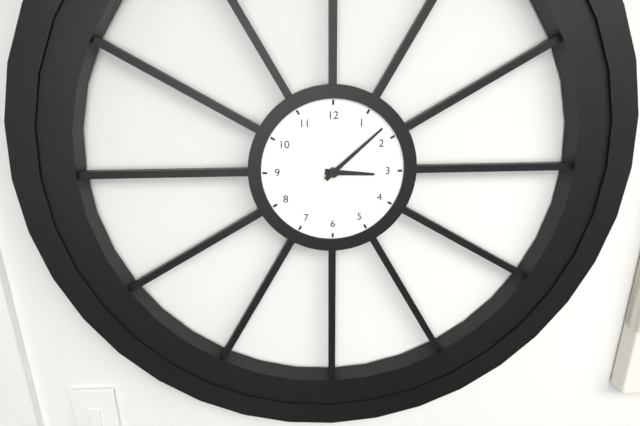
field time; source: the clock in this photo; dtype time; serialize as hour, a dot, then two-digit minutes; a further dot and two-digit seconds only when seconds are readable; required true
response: 3.08
